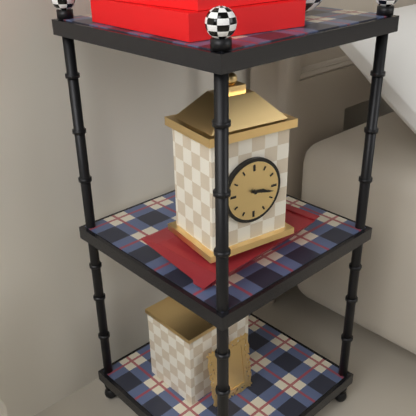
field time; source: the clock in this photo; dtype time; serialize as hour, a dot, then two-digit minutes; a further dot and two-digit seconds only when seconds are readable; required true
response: 3.17
